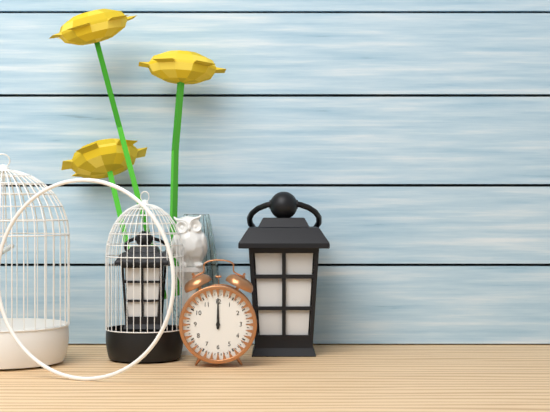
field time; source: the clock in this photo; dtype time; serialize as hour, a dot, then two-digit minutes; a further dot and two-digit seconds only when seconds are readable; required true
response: 12.00
